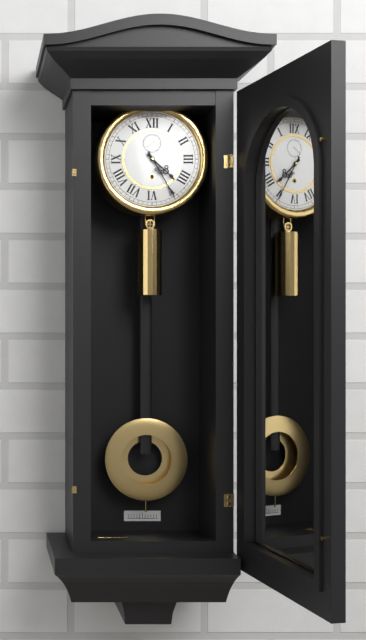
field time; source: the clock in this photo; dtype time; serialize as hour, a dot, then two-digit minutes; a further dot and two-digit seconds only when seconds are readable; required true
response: 4.25
